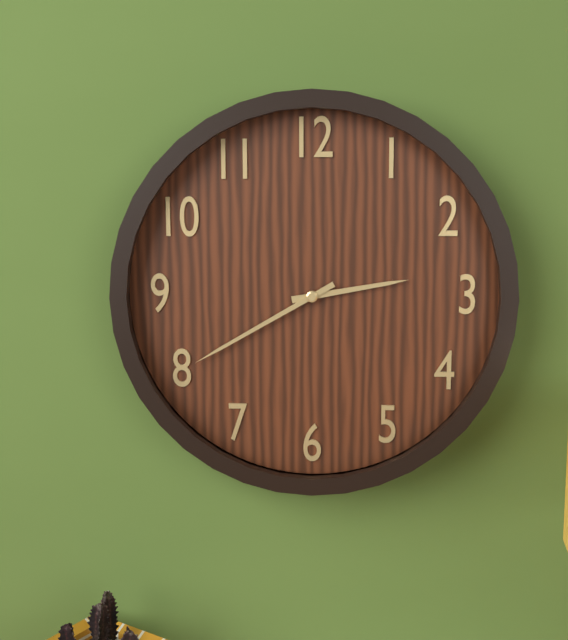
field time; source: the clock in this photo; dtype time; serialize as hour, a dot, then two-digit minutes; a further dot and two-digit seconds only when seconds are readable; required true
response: 2.40
